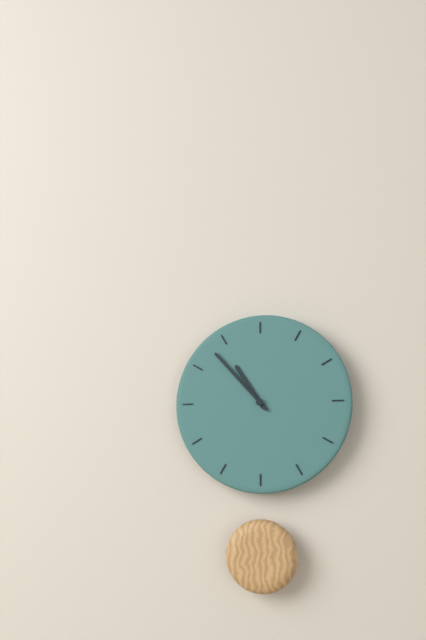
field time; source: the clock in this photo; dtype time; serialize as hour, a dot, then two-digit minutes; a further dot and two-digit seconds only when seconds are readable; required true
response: 10.53
